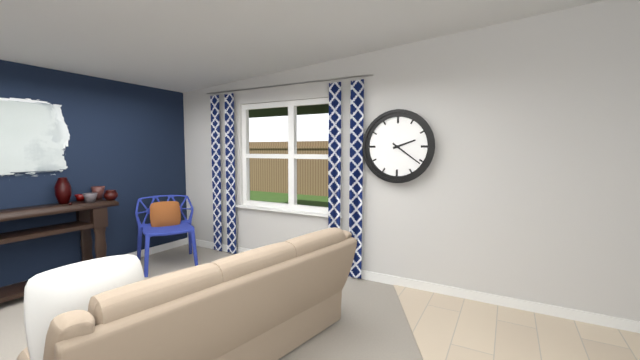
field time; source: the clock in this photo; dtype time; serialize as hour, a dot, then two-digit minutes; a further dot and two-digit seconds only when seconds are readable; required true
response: 2.21
